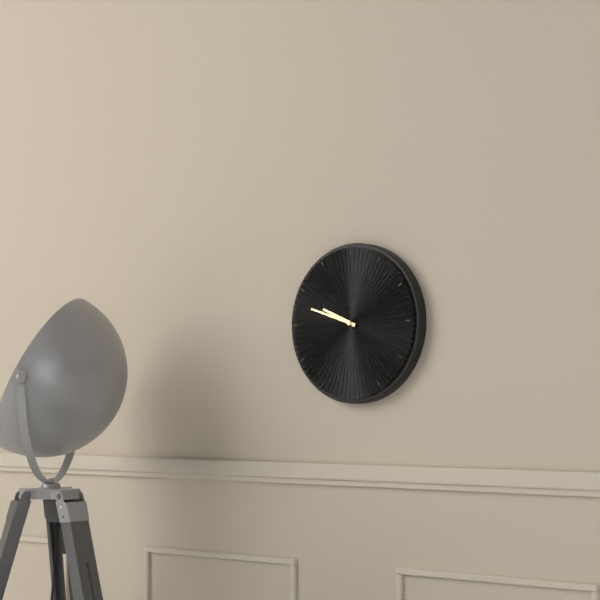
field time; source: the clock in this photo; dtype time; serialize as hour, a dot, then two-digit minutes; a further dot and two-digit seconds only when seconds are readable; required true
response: 9.48
